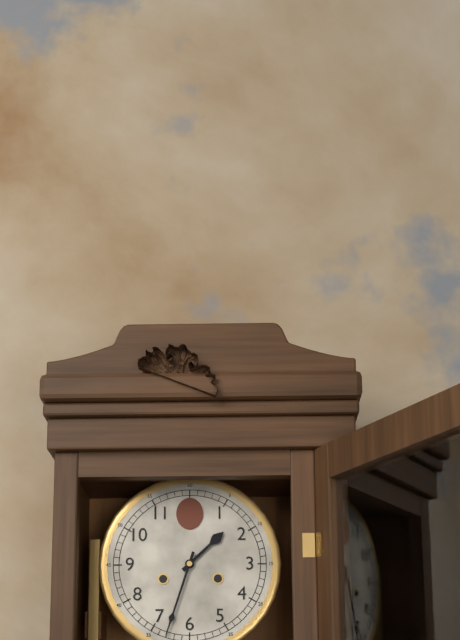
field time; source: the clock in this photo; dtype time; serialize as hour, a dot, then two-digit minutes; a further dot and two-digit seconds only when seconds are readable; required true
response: 1.33
